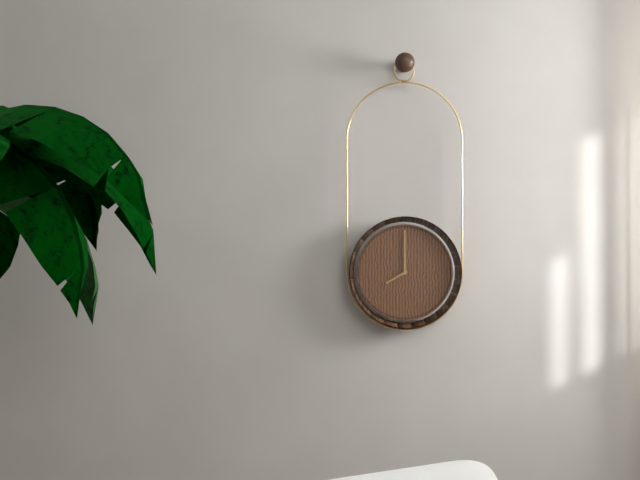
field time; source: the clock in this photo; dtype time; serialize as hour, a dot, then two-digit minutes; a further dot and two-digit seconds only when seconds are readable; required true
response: 8.00
